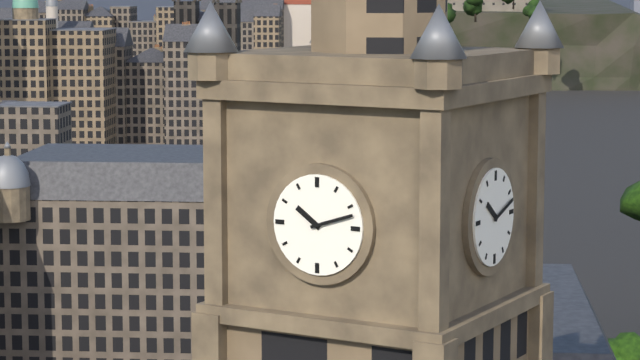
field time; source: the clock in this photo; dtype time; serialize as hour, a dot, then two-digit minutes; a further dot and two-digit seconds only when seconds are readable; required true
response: 10.12
